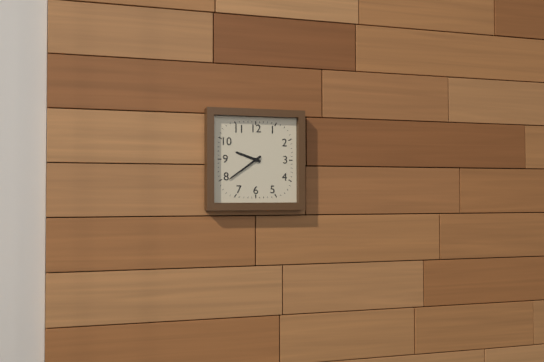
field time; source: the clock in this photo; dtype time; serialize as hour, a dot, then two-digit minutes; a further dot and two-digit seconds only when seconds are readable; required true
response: 9.39
